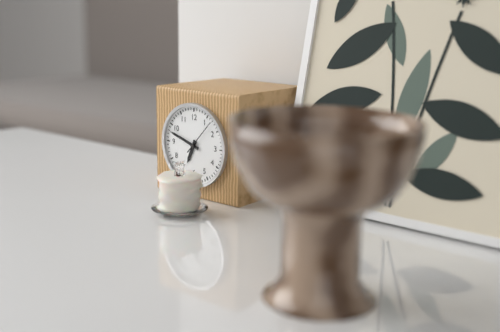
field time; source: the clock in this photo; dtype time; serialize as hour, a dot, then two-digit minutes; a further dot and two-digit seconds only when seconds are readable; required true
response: 6.48
